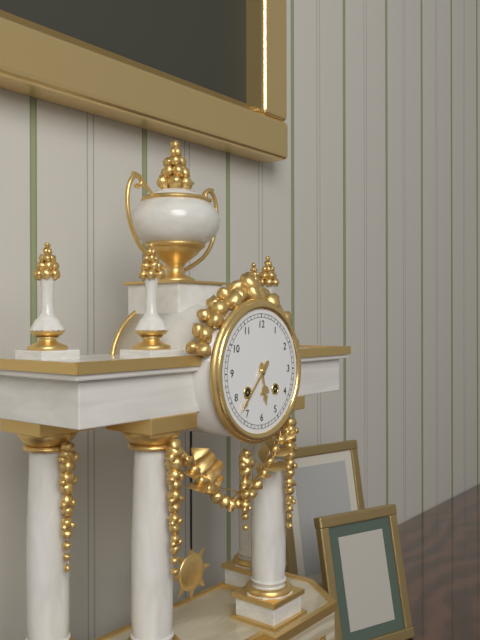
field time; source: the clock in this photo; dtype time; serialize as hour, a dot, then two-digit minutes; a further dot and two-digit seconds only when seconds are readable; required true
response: 5.37
